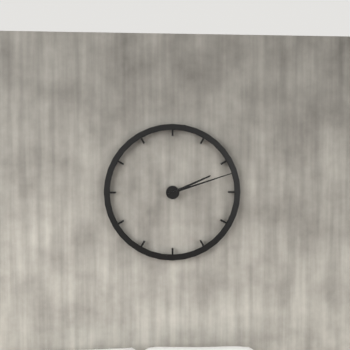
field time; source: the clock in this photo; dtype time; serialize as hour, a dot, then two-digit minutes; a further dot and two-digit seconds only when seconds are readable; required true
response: 2.12
